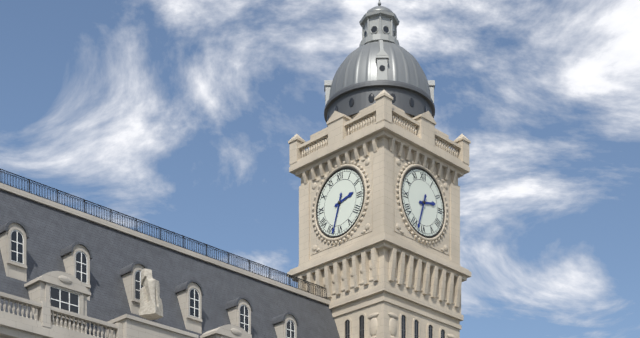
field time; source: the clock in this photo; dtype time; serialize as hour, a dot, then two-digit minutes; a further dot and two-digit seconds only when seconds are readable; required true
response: 2.33
